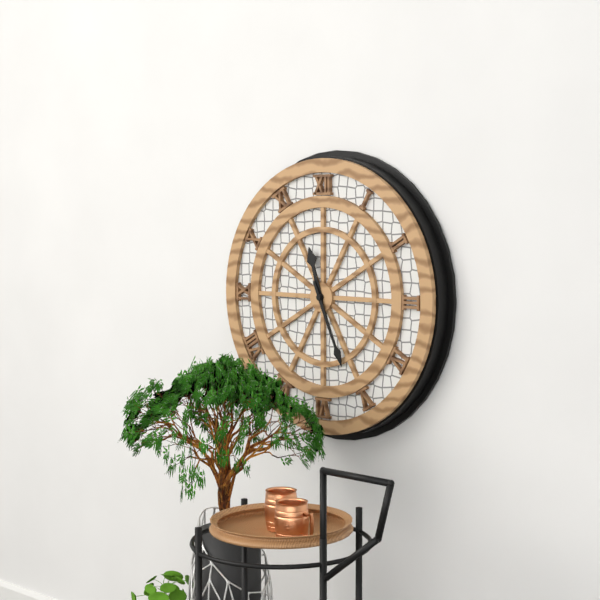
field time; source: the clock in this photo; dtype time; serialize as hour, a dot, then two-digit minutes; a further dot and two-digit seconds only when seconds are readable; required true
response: 11.26
